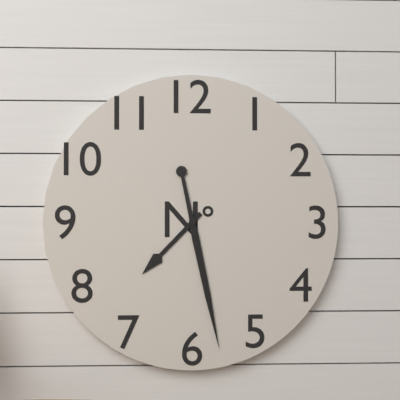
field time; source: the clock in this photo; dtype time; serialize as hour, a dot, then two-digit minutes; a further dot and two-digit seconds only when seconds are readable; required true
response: 7.28
